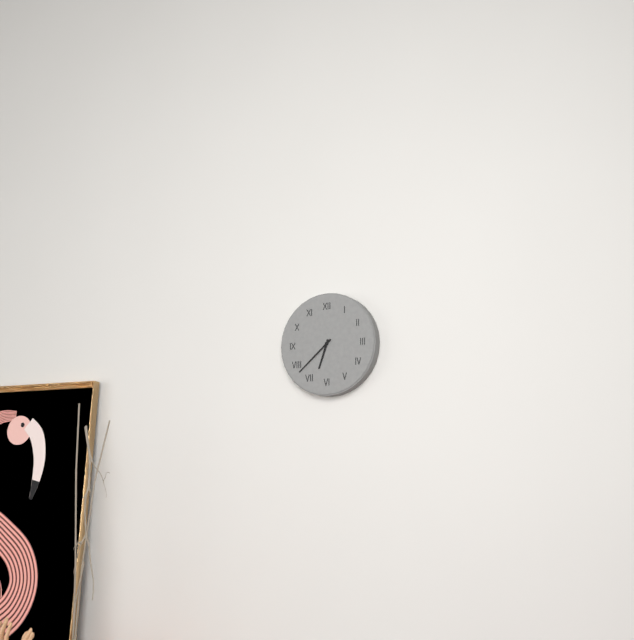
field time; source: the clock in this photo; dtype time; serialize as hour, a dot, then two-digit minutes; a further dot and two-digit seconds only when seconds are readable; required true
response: 6.38
